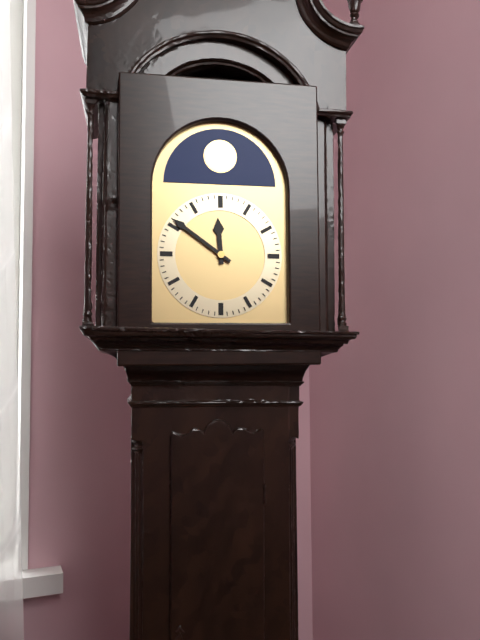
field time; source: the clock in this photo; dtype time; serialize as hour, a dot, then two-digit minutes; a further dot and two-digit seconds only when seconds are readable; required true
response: 11.51
